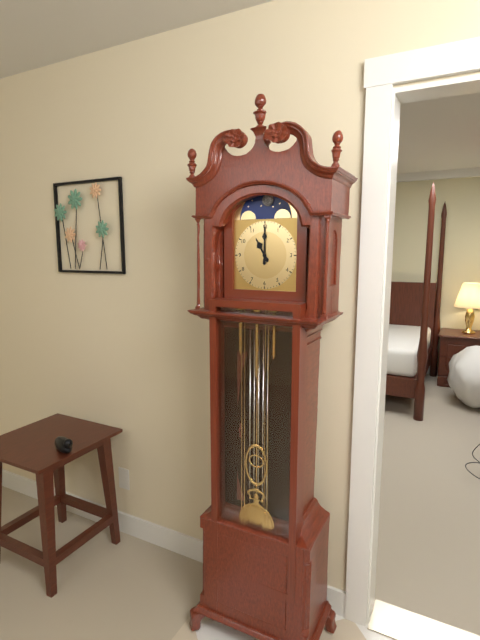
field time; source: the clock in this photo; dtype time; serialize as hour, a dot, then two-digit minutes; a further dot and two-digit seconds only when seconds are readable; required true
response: 11.00
